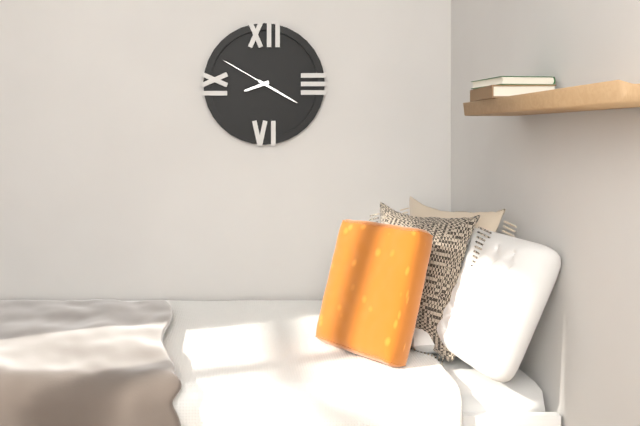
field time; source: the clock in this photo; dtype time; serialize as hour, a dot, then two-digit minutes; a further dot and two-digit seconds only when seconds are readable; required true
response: 8.20.50
